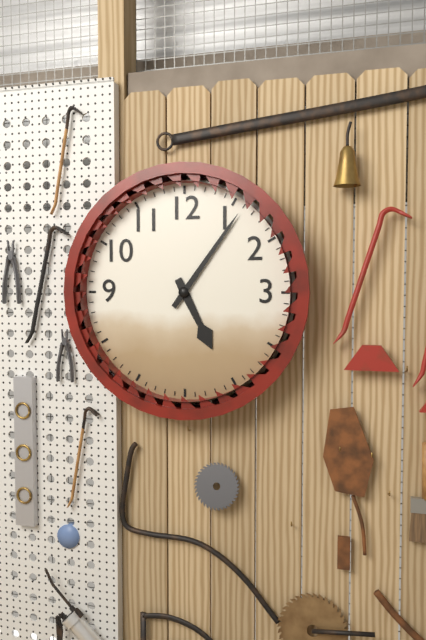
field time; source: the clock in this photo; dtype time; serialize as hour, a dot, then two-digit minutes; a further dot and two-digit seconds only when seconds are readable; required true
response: 5.06
